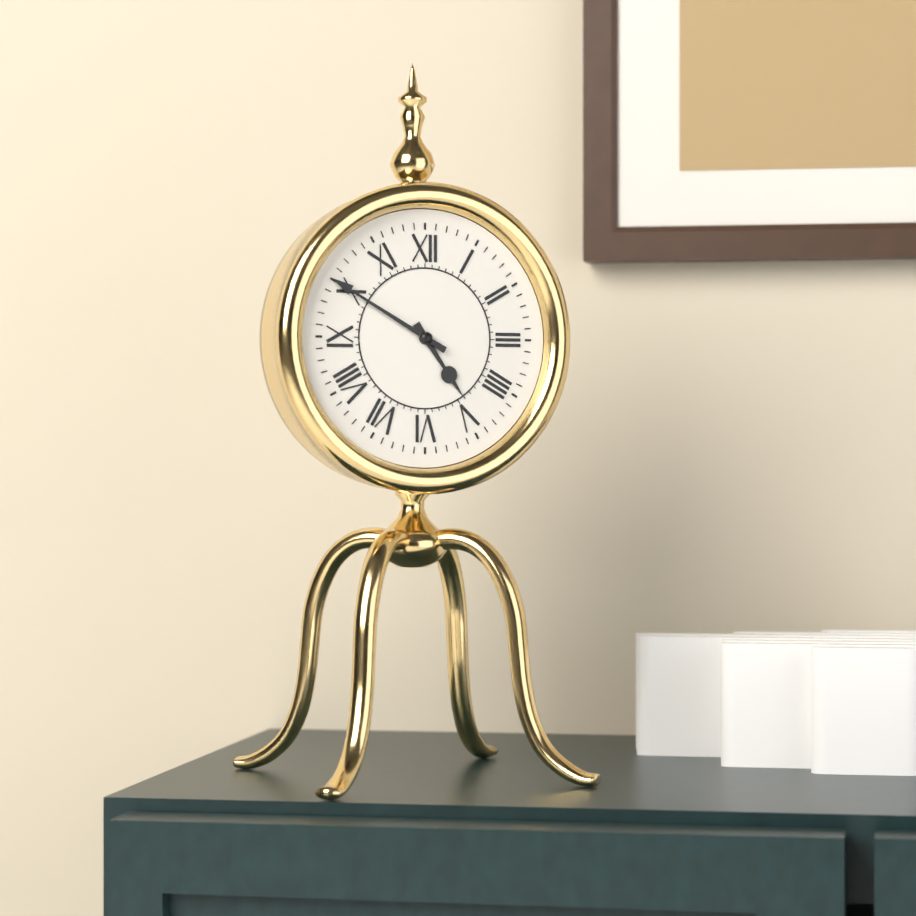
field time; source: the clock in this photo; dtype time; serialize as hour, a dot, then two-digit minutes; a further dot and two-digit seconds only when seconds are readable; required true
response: 4.50
